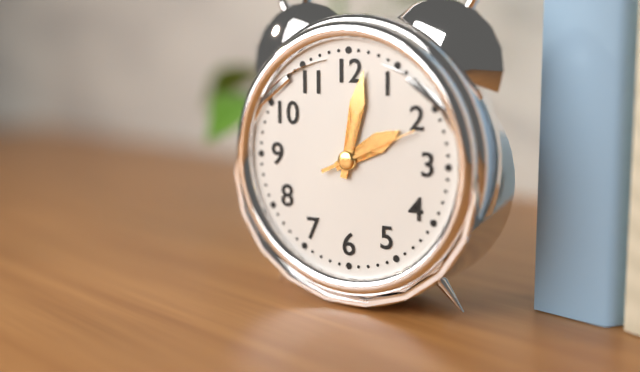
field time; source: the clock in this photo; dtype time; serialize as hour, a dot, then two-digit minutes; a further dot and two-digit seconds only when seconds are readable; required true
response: 2.02.11
